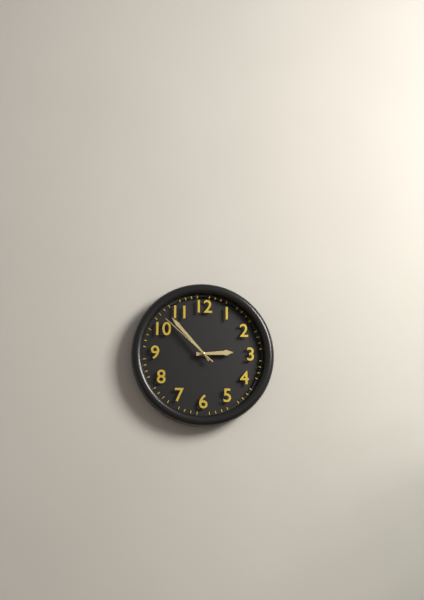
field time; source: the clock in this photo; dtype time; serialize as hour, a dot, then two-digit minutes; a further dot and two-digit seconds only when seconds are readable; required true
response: 2.53.52
